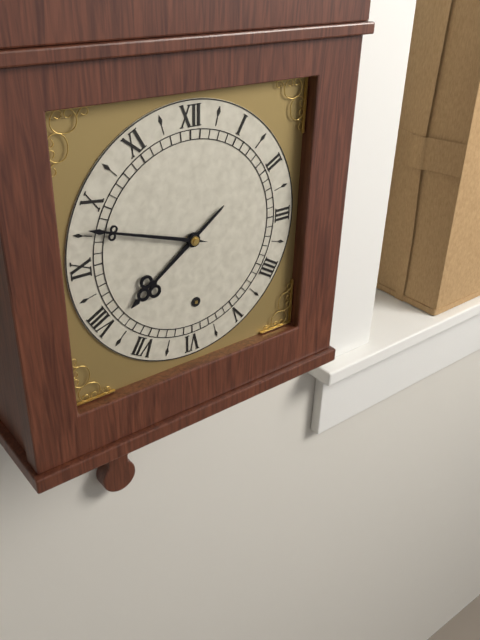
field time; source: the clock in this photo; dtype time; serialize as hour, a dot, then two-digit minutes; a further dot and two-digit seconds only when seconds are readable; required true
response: 7.48
